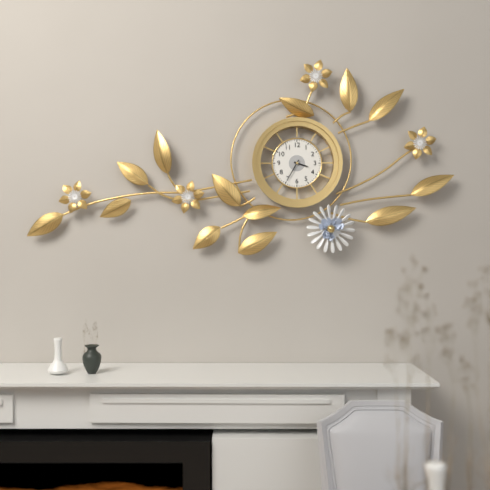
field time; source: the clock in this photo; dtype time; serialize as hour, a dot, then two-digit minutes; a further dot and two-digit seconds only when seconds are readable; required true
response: 3.35
